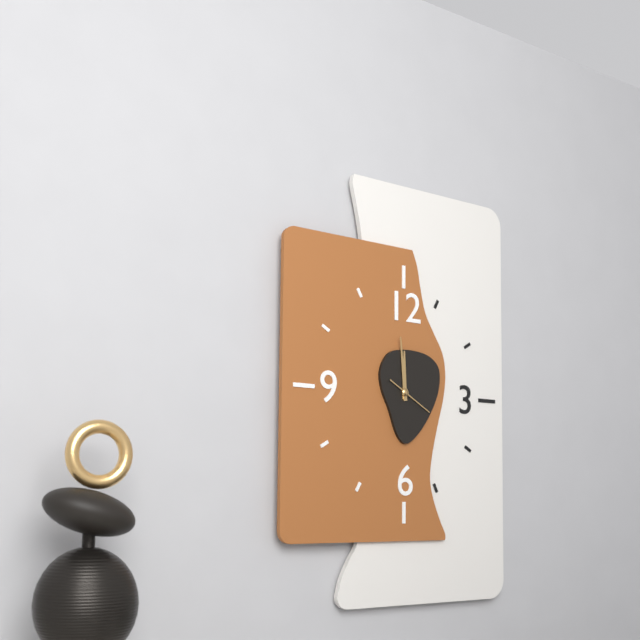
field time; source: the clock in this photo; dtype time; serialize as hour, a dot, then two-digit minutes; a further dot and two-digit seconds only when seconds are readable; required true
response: 11.59
